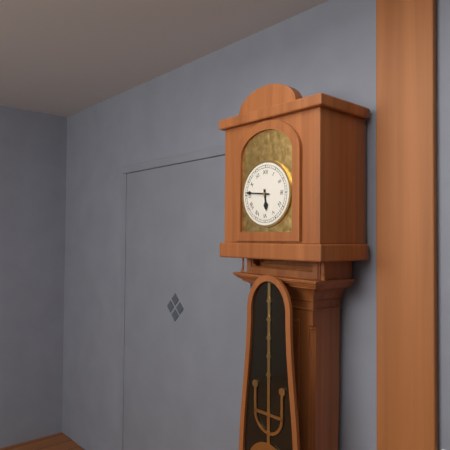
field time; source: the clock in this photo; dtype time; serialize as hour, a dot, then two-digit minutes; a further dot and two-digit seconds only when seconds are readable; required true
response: 5.46
